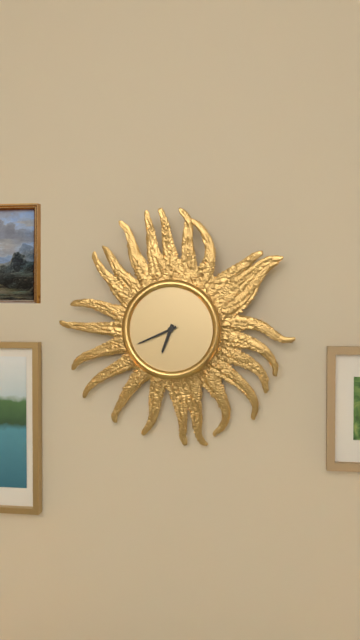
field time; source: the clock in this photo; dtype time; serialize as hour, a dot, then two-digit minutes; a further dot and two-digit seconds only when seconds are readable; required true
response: 6.41
